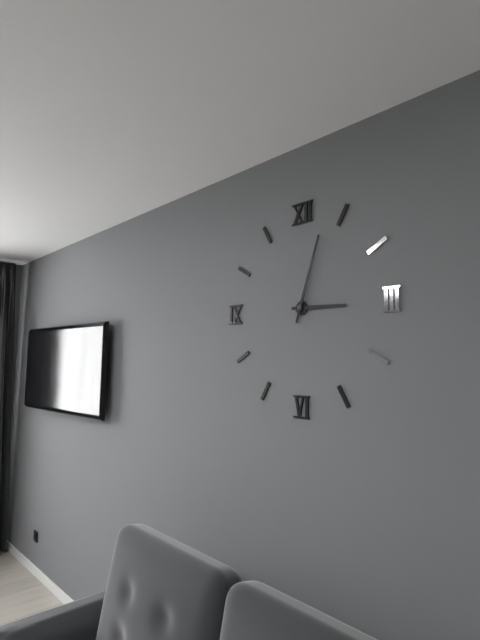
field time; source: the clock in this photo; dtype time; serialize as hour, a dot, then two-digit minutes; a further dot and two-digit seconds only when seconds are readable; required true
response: 3.03
